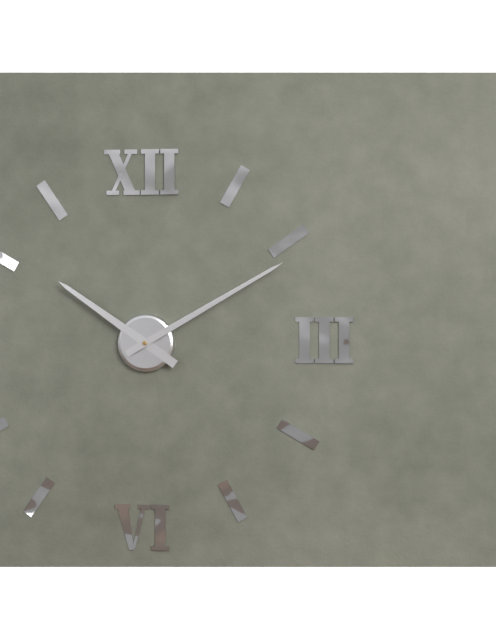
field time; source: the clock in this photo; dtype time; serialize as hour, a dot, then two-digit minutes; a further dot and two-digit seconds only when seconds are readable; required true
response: 10.10
